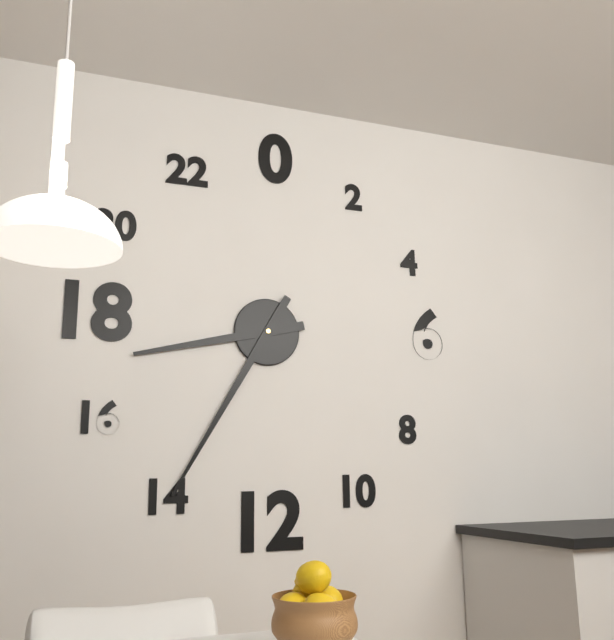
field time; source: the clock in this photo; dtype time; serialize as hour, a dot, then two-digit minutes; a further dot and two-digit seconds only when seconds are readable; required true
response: 8.35
